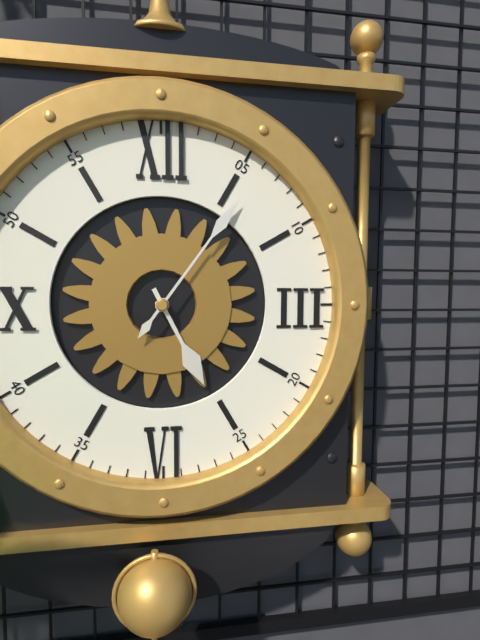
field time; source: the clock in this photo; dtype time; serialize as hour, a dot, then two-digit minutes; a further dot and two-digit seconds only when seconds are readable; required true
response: 5.06
